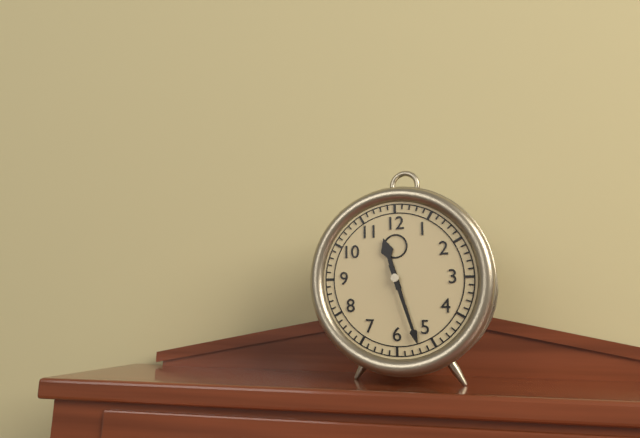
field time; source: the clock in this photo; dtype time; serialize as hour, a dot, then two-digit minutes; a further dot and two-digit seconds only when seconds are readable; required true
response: 11.27
